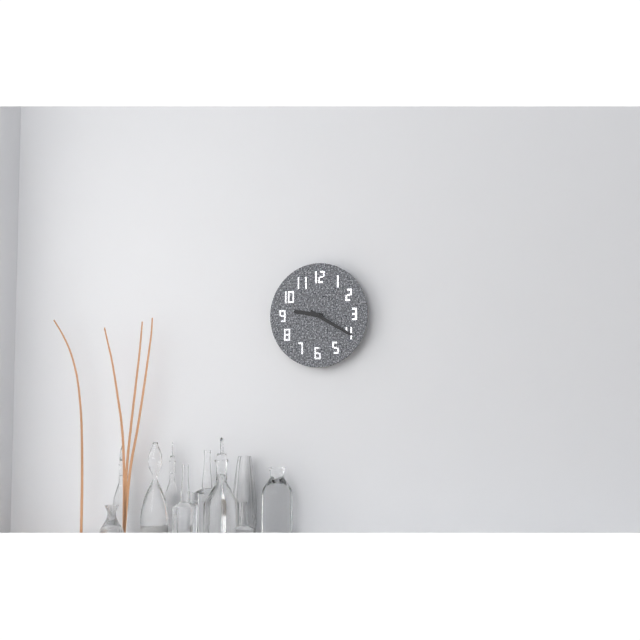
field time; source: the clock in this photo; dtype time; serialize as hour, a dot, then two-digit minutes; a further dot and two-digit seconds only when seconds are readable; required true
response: 9.20
